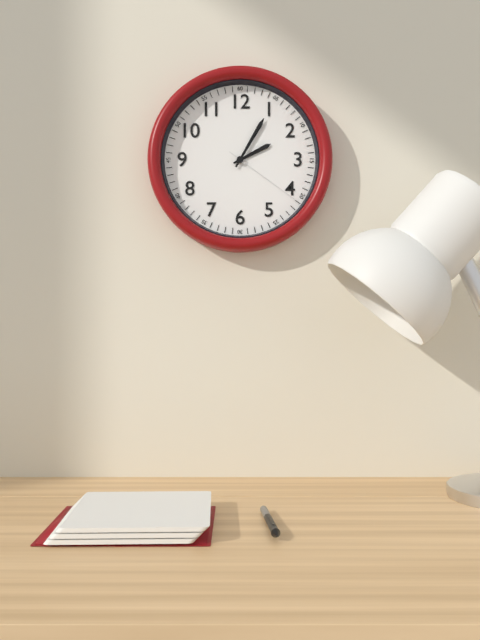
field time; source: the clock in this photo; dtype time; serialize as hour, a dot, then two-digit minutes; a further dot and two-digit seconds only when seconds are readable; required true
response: 2.05.21
